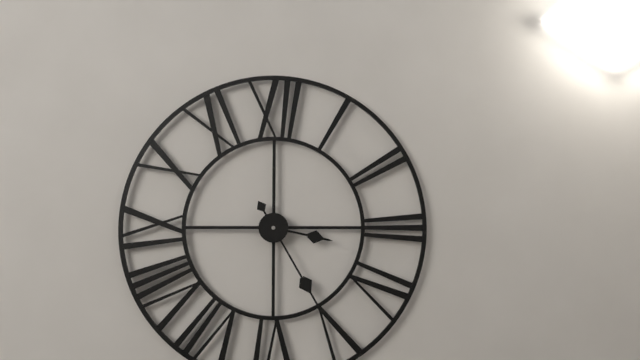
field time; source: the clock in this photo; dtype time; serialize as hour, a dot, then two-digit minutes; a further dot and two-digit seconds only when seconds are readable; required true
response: 3.25
